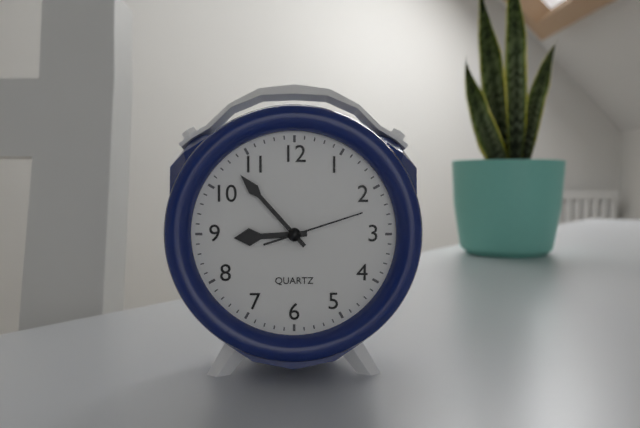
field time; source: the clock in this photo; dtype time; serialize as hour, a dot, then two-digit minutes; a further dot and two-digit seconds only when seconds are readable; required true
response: 8.53.12
